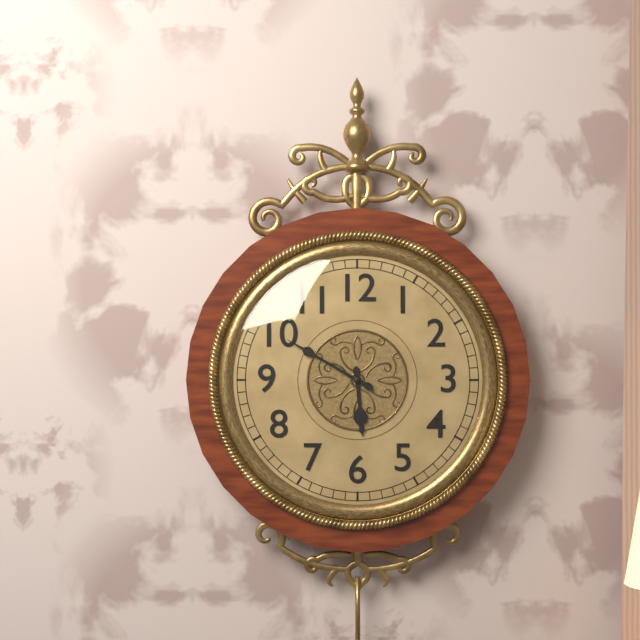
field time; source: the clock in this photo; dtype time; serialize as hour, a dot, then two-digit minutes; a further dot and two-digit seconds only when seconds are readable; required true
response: 5.50
